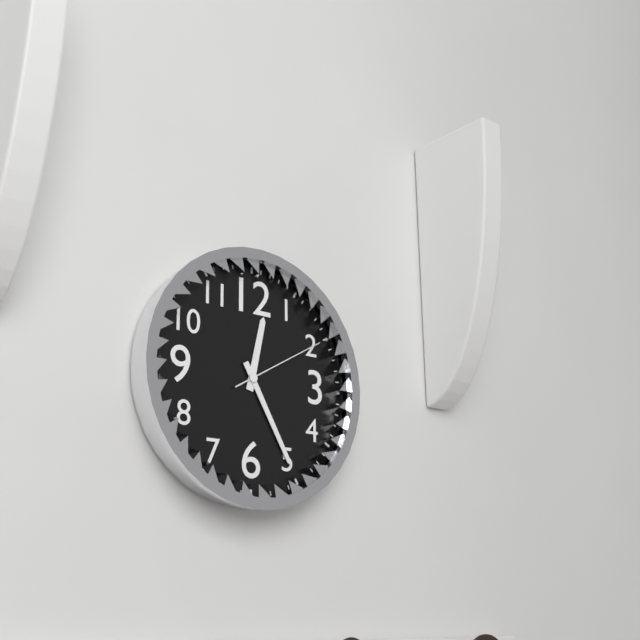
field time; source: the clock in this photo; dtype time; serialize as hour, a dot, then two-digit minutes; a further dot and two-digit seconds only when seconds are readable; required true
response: 12.25.10
